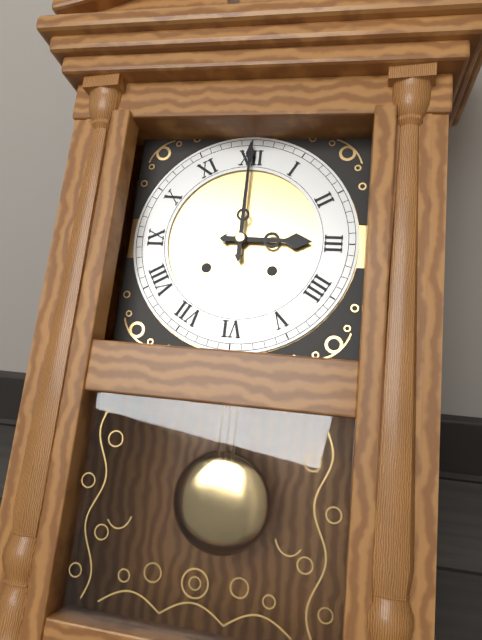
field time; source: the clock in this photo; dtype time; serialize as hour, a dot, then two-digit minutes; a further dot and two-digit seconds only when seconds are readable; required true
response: 3.00
